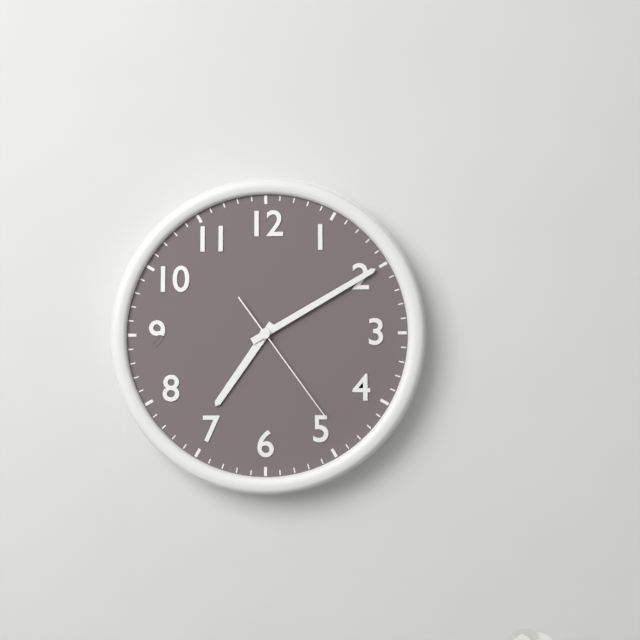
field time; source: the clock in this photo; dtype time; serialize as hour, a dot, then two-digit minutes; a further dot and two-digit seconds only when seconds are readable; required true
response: 7.10.24
